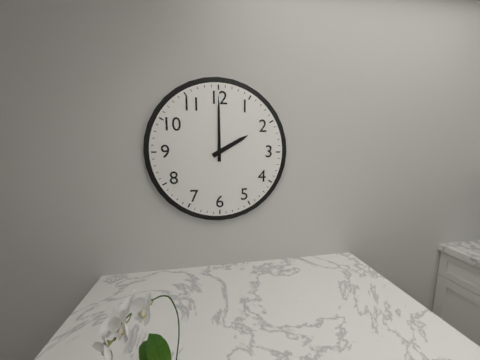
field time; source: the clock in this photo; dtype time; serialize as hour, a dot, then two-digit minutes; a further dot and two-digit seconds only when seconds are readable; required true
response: 2.00
